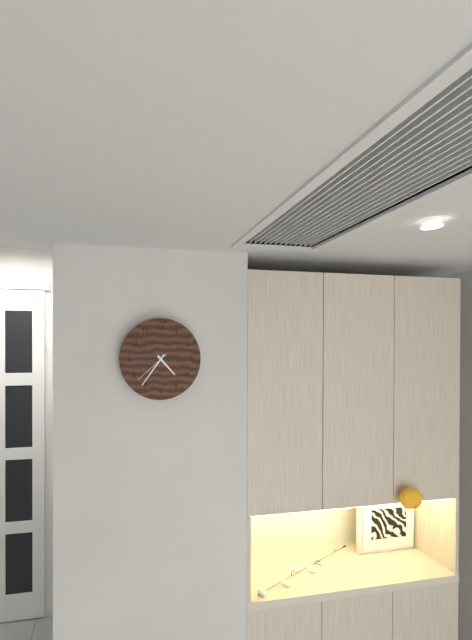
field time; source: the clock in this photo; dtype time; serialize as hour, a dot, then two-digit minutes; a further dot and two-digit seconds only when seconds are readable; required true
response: 4.36
